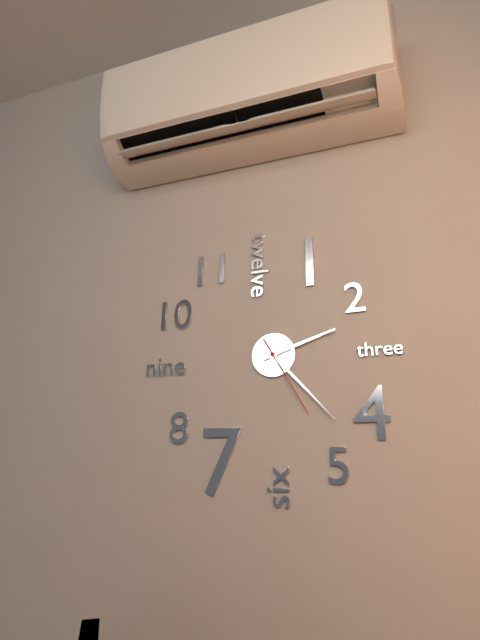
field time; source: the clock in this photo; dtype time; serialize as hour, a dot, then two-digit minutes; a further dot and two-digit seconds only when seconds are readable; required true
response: 2.23.25
